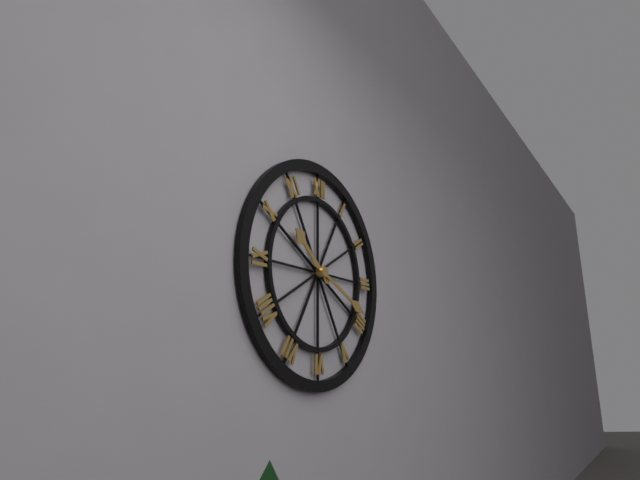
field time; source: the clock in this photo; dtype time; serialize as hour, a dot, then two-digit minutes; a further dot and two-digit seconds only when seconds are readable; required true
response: 10.19
